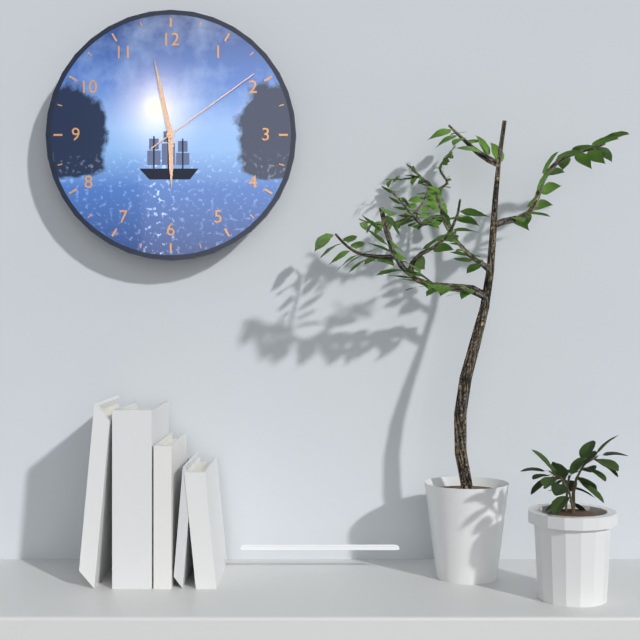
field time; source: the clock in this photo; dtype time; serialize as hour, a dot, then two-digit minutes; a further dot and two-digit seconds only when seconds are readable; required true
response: 5.58.09
